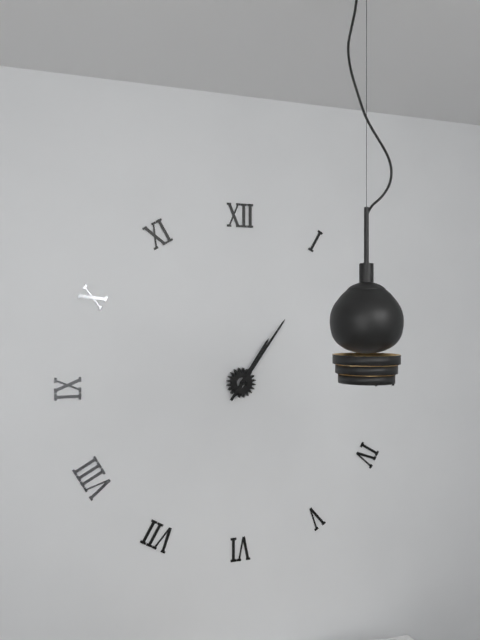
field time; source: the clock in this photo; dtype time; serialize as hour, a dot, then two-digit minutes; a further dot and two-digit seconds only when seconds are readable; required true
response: 1.06
